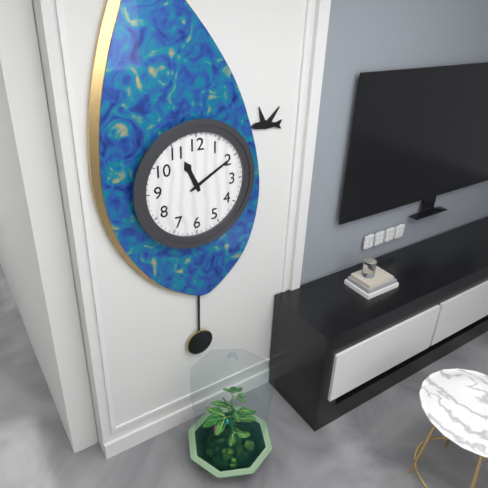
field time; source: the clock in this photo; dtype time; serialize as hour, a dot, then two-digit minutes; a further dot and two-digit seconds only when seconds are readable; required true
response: 11.10
